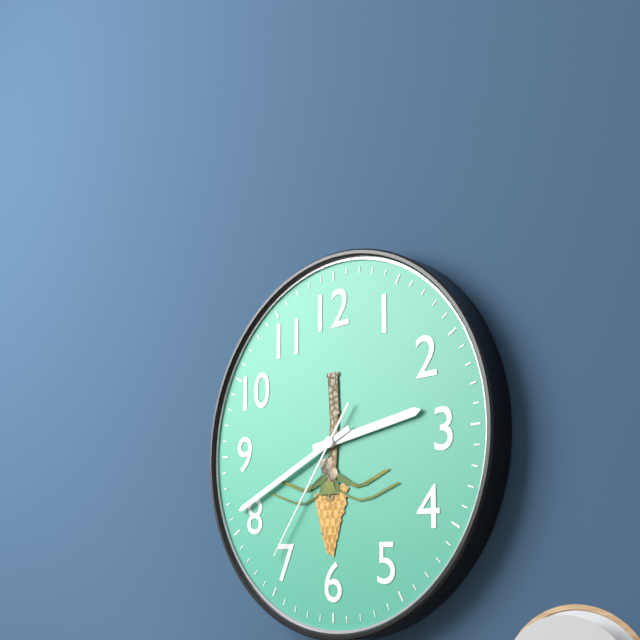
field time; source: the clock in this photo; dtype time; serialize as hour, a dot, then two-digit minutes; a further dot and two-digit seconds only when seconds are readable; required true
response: 2.41.36
